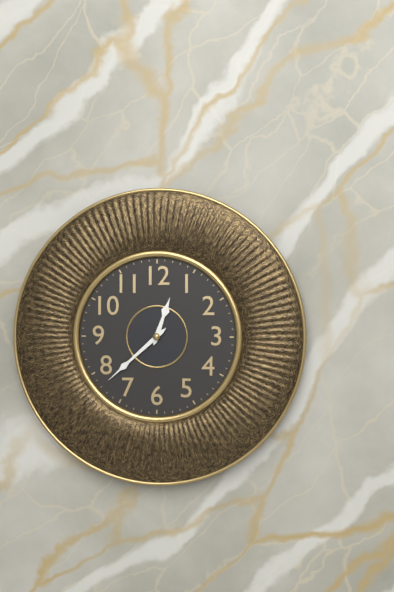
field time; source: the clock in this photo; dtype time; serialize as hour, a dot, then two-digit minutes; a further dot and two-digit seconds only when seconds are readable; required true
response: 12.38
